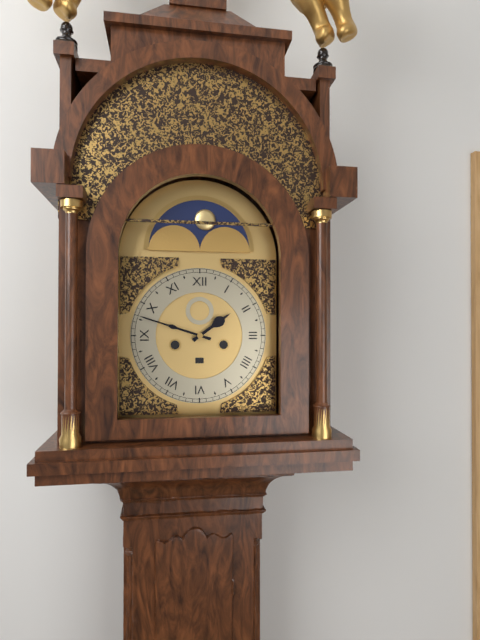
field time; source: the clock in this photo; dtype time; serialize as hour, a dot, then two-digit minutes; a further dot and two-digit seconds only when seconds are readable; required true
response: 1.48
